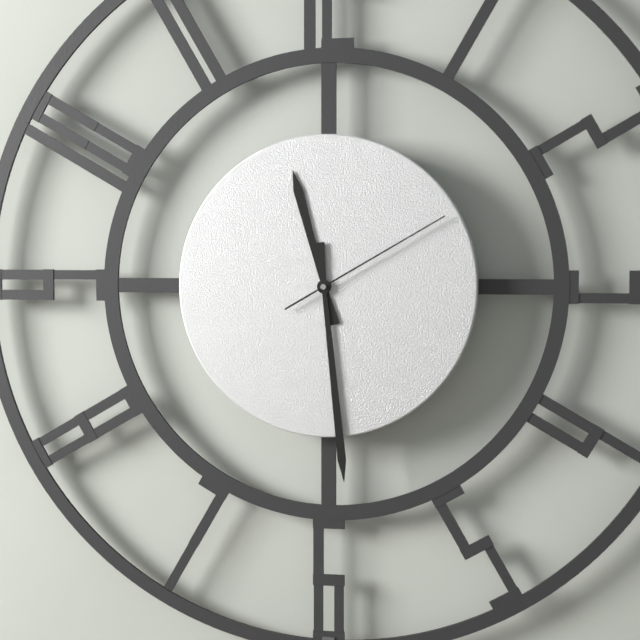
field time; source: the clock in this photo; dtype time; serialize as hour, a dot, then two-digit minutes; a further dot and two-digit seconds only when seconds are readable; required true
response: 11.29.10
